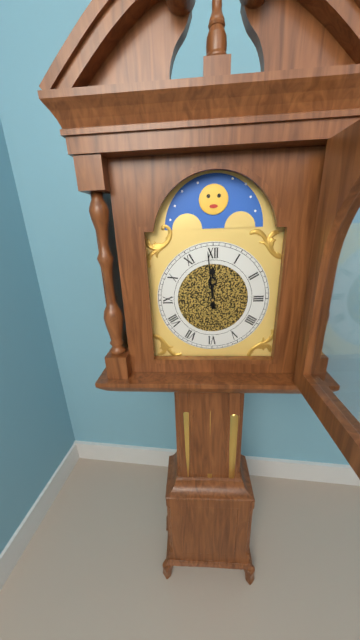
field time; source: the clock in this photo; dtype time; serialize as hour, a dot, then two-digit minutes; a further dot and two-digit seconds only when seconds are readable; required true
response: 11.59
